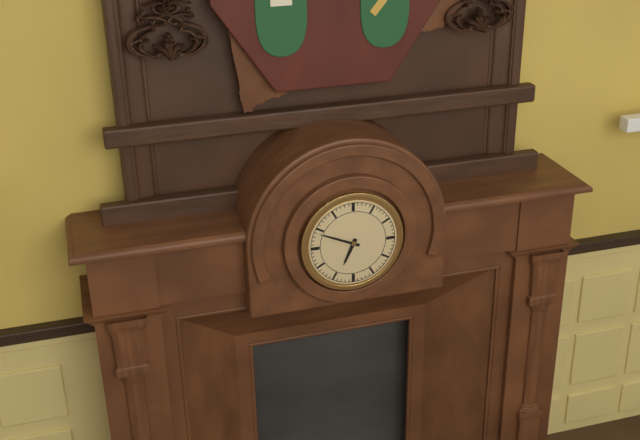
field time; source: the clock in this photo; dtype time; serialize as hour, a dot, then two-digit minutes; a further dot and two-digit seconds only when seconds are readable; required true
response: 6.49
